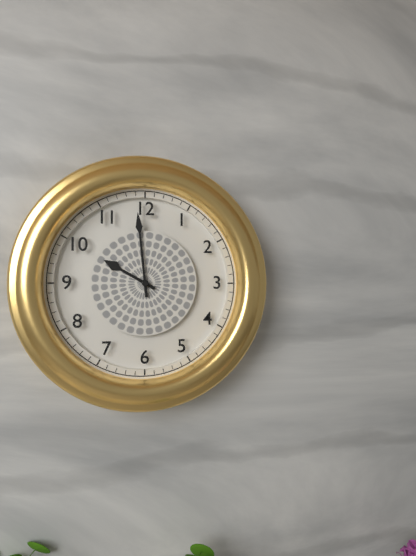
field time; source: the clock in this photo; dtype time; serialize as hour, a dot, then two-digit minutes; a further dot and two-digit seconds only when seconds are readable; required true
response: 9.59
